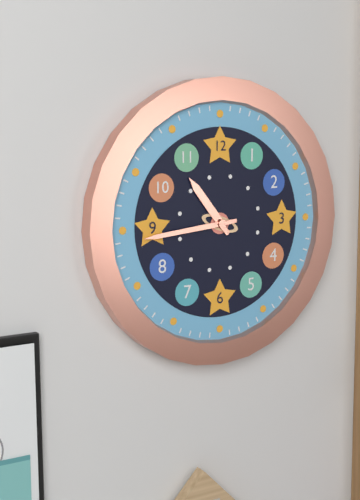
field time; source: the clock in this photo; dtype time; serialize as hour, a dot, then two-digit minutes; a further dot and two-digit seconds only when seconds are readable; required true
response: 10.44
